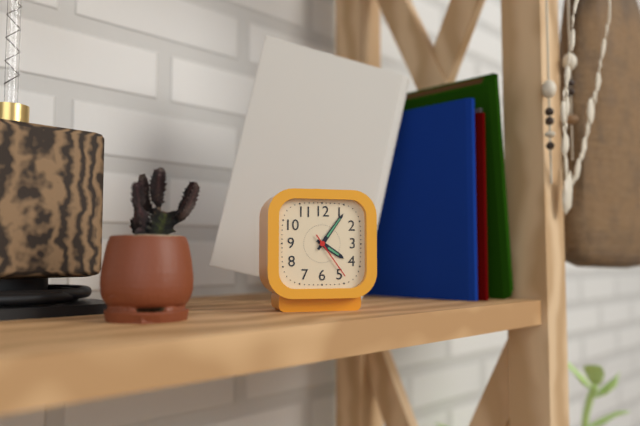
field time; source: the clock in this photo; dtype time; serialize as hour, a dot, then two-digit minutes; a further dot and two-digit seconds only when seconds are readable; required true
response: 4.06.24
